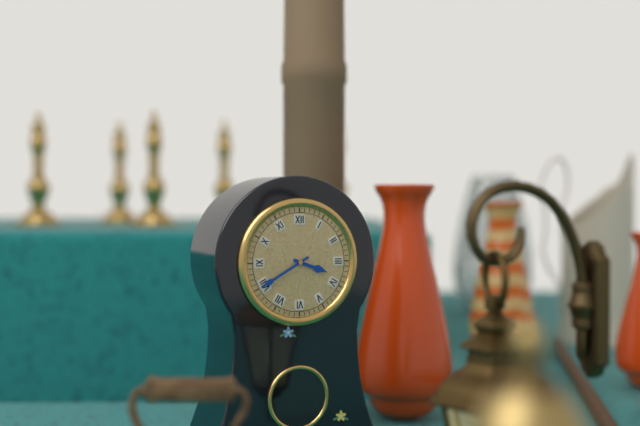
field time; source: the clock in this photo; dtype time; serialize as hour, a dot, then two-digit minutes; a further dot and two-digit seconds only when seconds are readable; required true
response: 3.40
